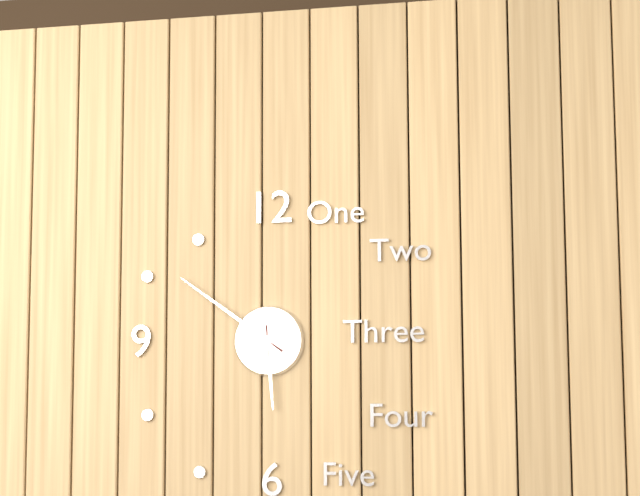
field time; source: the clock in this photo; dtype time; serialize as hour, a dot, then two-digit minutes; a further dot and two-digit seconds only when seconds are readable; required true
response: 5.51
